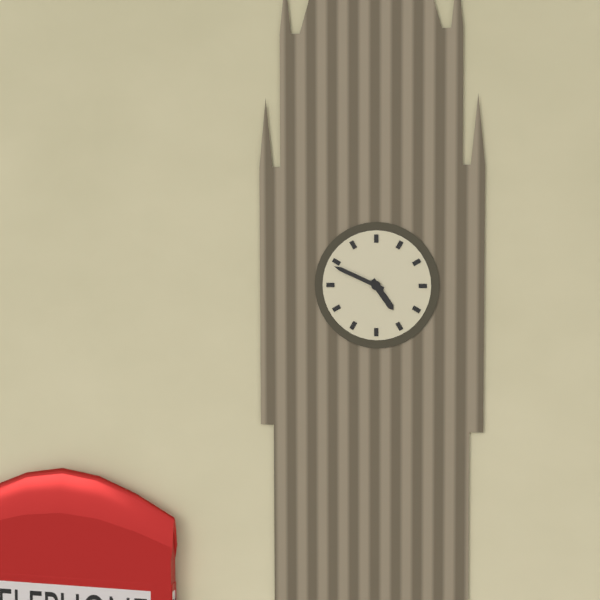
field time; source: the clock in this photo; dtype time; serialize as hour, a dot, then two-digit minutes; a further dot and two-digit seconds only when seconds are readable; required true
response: 4.49
